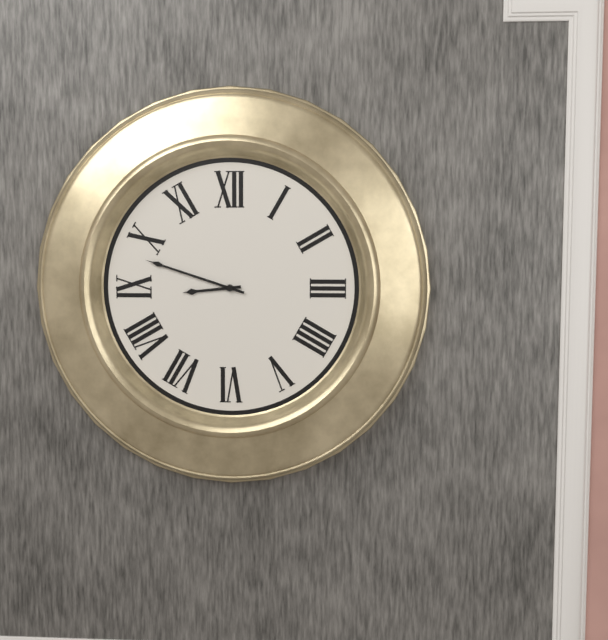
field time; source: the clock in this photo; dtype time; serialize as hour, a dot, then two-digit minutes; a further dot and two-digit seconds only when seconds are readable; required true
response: 8.48
